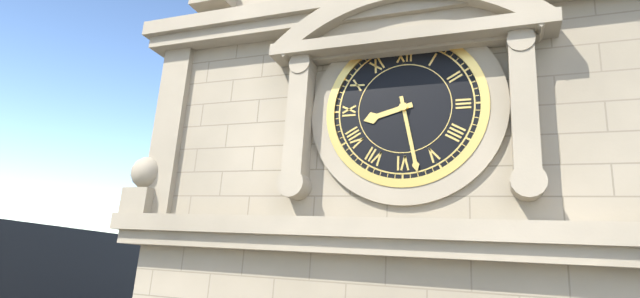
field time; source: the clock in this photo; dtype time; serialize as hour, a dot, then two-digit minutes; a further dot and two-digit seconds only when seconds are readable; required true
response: 8.28
